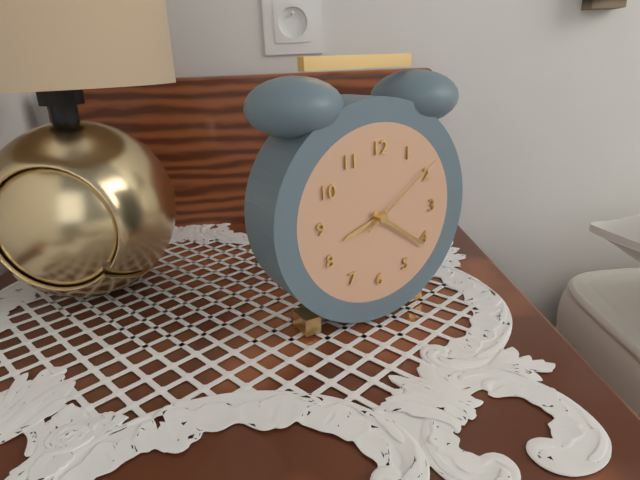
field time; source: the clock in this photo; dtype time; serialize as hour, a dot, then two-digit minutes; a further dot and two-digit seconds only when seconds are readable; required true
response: 8.21.09
